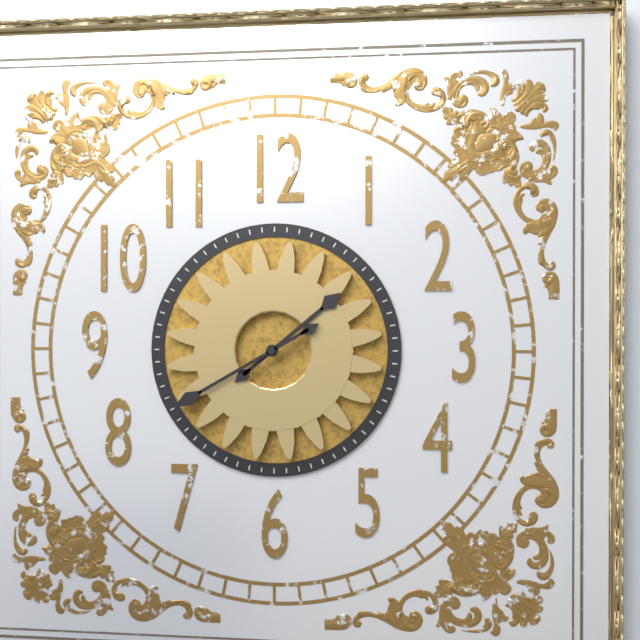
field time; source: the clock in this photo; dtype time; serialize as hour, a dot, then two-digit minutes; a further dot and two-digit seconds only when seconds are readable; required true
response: 1.40
